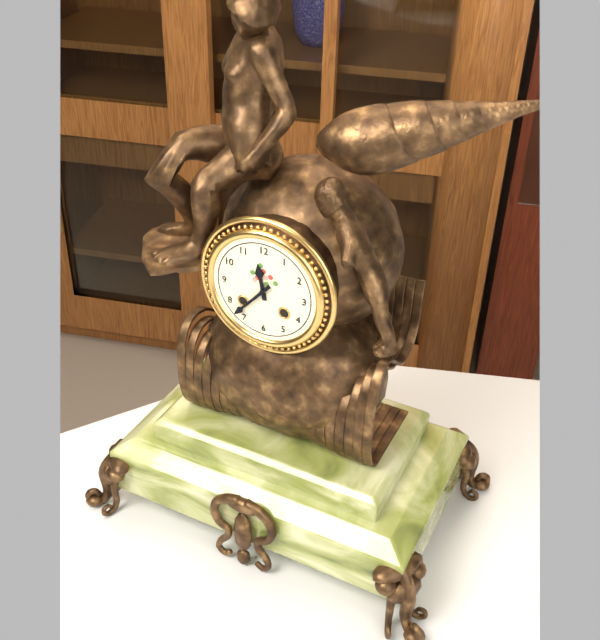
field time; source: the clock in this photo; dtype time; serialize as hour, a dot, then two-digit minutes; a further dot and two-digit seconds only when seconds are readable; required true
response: 11.37
